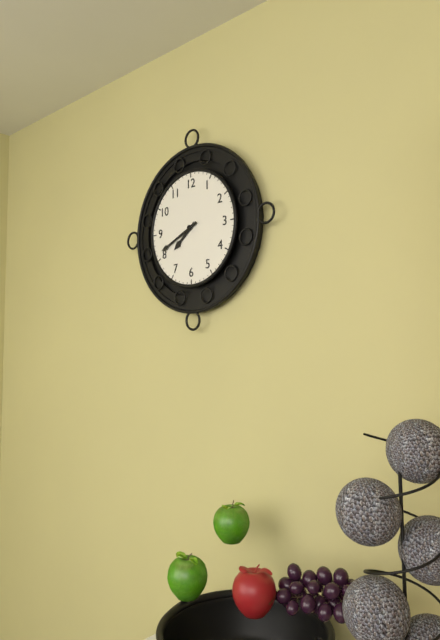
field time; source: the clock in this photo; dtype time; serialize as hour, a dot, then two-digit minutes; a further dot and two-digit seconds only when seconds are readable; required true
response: 7.41
